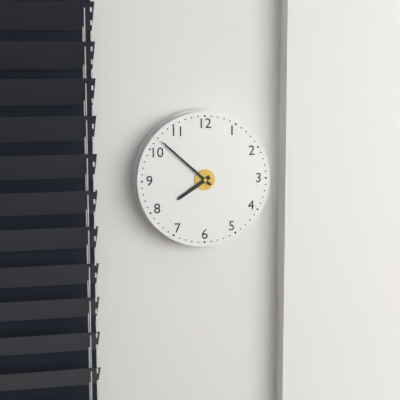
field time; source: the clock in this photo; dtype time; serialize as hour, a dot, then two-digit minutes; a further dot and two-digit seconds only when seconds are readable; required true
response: 7.52
